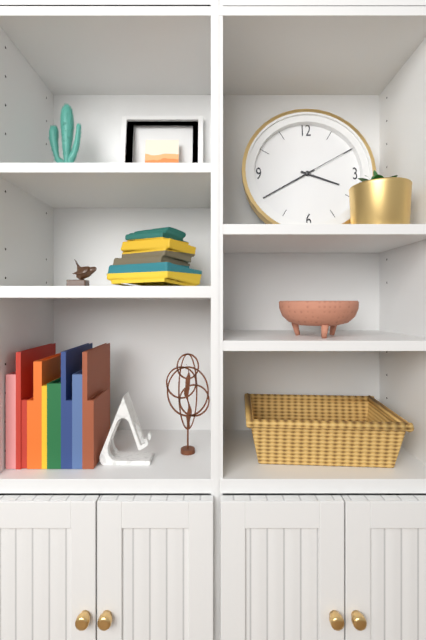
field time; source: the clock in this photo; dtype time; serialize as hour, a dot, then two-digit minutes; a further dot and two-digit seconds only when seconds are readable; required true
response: 3.40.10
